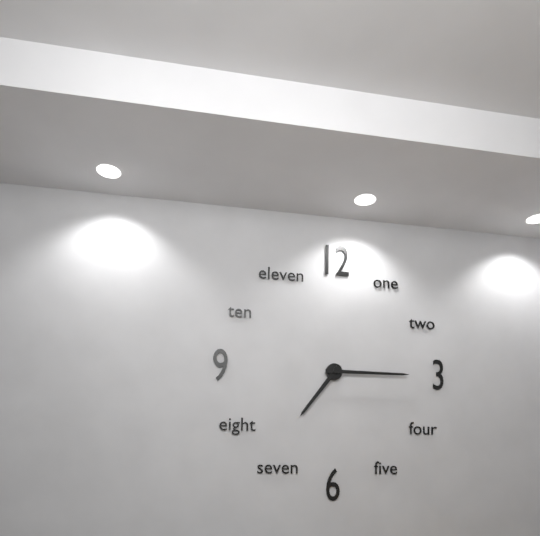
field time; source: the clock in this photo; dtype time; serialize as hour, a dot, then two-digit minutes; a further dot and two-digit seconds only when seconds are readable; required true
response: 7.15
